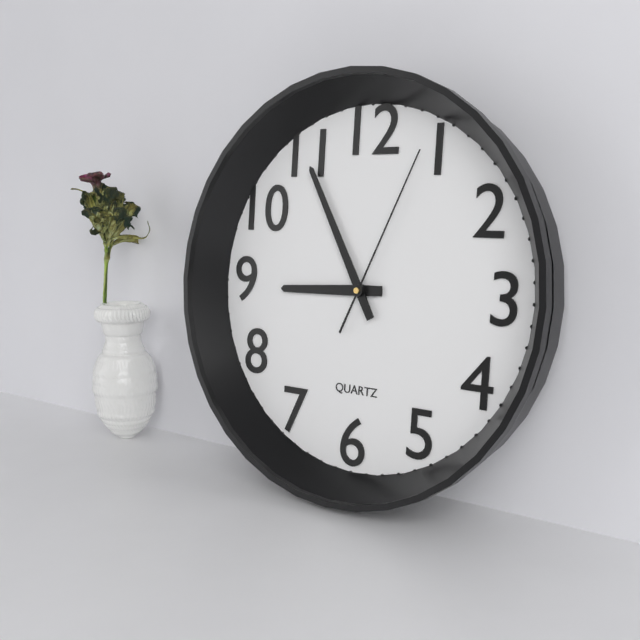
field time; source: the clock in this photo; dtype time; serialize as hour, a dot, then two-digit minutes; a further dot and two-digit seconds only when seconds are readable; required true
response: 8.55.04
